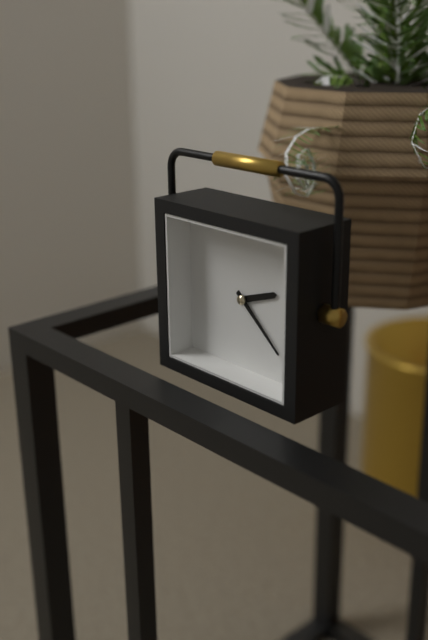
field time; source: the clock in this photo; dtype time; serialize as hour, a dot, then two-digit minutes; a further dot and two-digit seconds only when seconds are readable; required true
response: 2.22
